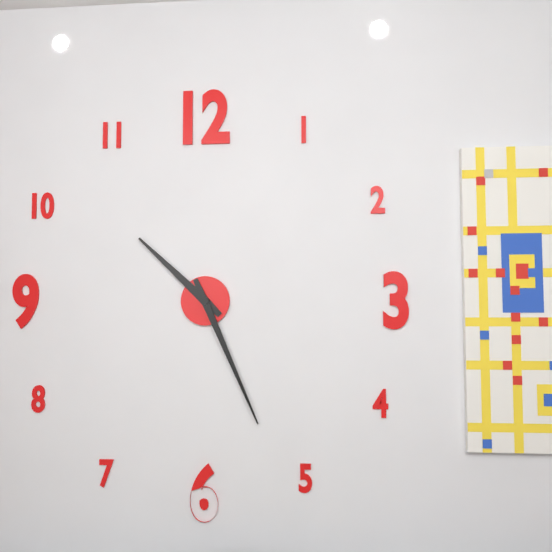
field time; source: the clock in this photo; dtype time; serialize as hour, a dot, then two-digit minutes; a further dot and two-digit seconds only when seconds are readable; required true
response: 10.26
